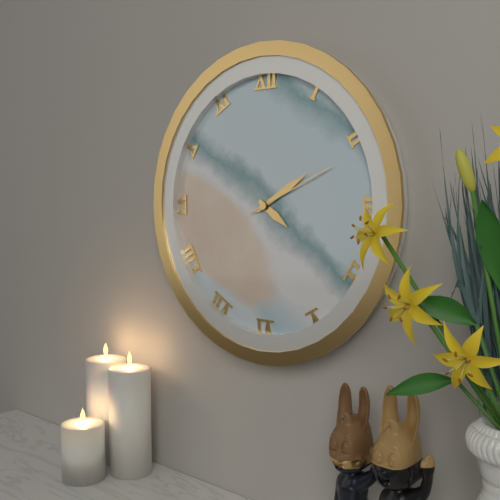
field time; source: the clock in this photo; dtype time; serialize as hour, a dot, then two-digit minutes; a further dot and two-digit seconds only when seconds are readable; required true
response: 4.10.11
